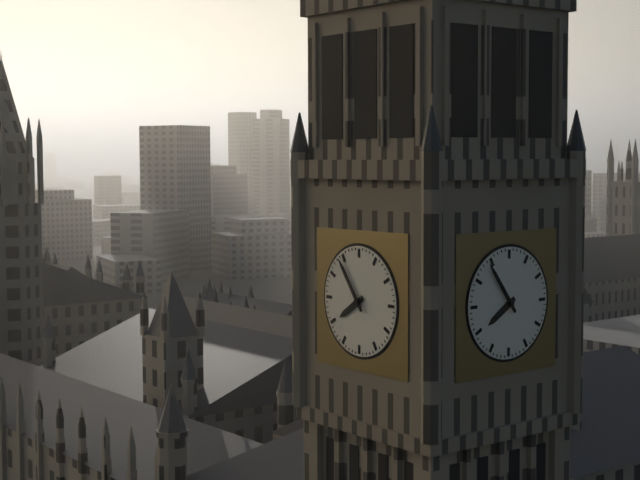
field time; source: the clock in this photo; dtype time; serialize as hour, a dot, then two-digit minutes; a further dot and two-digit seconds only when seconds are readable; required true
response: 7.54
